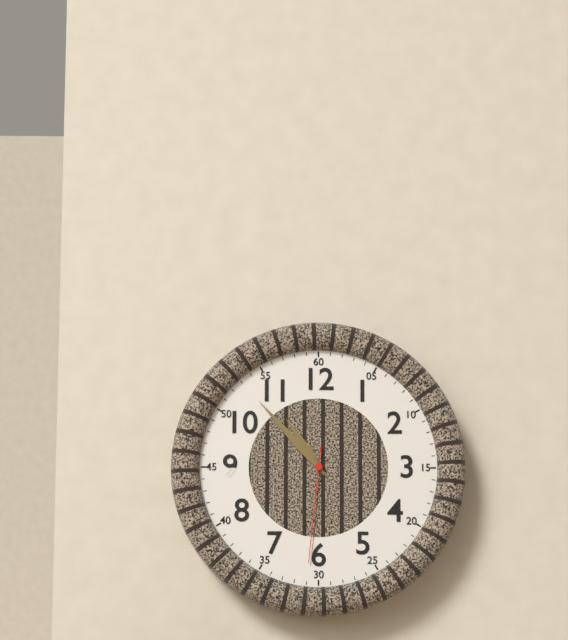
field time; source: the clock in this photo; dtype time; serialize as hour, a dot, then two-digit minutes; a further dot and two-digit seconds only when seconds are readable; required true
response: 10.53.31
